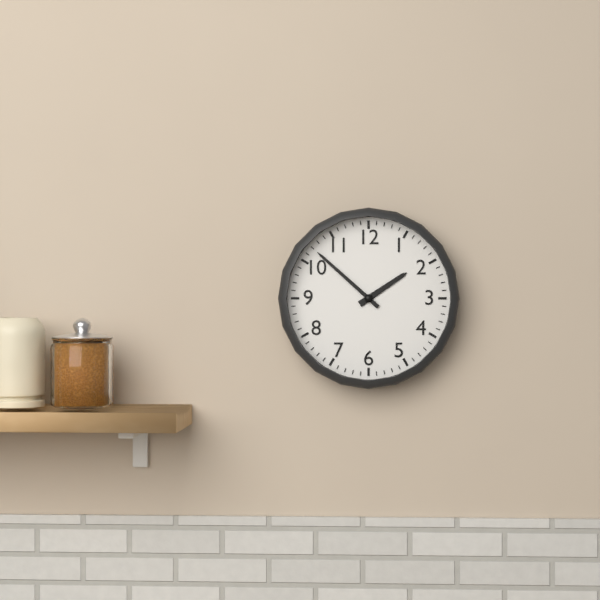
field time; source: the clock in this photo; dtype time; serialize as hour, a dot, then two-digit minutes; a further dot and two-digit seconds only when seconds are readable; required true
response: 1.52
